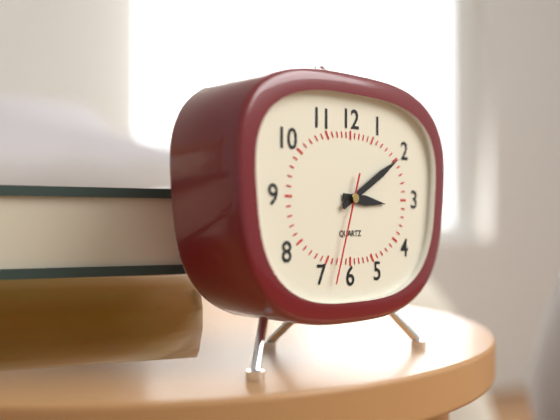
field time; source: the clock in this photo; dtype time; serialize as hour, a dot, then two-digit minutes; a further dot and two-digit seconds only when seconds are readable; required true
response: 3.10.33
